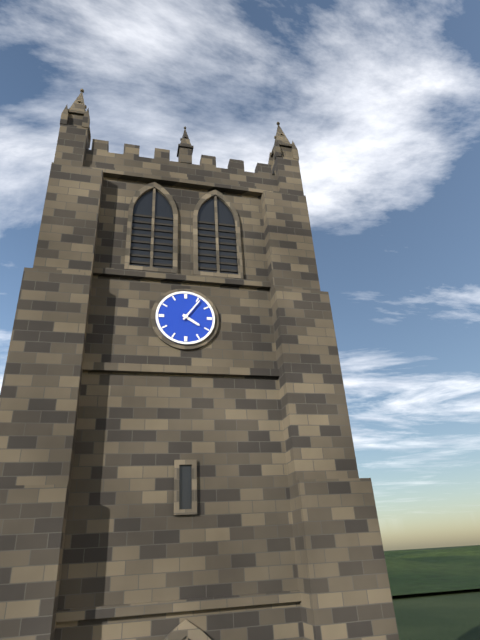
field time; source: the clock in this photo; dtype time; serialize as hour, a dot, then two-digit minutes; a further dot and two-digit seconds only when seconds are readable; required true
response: 4.06
